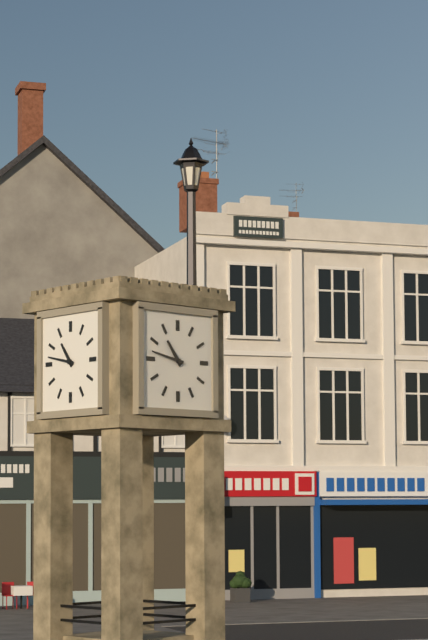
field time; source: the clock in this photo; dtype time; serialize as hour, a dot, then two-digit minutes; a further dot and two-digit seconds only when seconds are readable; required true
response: 10.47
